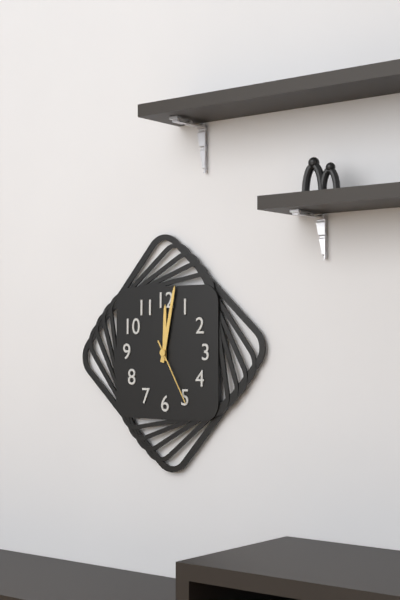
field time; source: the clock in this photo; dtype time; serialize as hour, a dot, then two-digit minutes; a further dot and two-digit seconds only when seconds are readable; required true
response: 12.02.25
